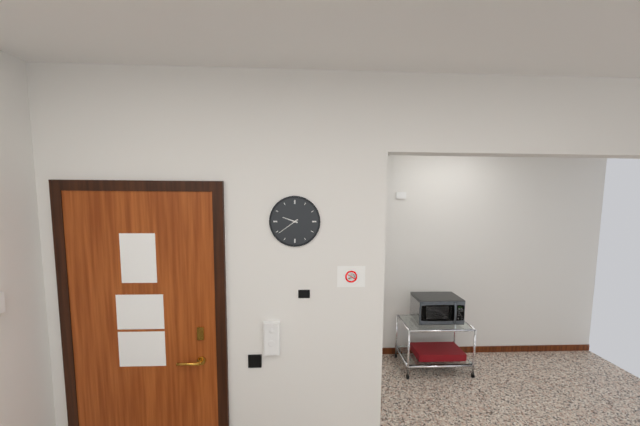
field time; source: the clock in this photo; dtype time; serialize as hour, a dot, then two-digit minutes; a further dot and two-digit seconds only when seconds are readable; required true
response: 9.39
